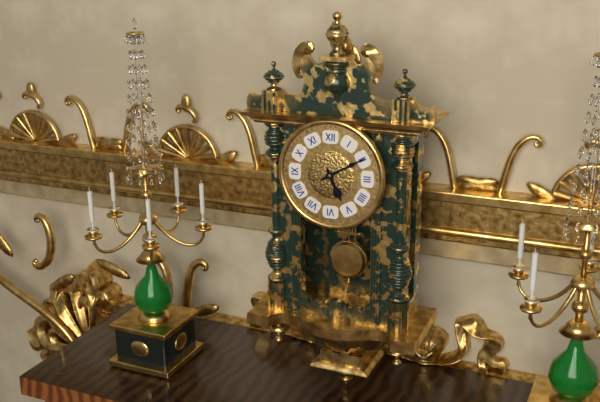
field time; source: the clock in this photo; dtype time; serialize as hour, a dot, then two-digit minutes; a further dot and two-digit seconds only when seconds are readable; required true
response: 5.10
